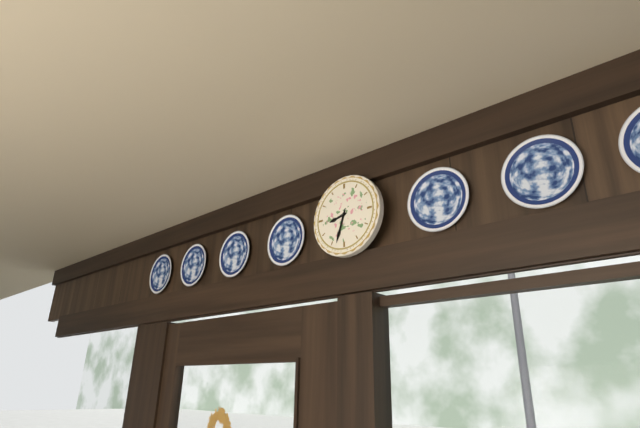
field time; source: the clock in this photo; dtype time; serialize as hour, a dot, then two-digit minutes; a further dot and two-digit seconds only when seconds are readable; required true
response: 8.33
